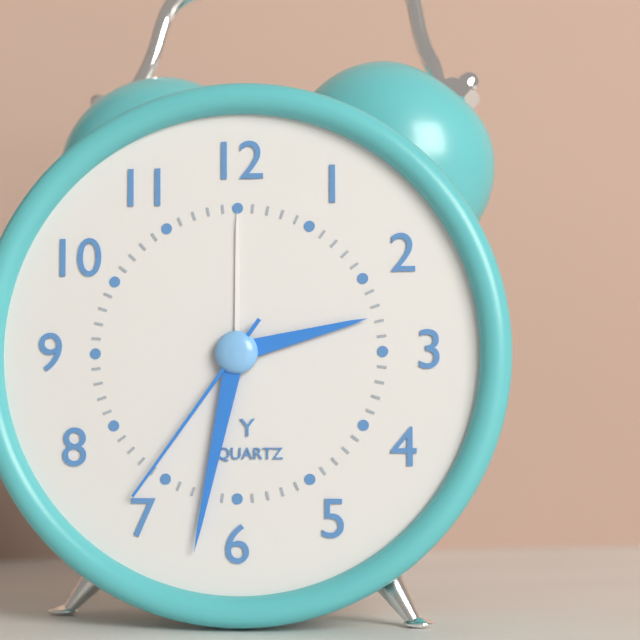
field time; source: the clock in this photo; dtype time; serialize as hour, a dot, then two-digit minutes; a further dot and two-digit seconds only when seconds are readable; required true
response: 2.32.36
